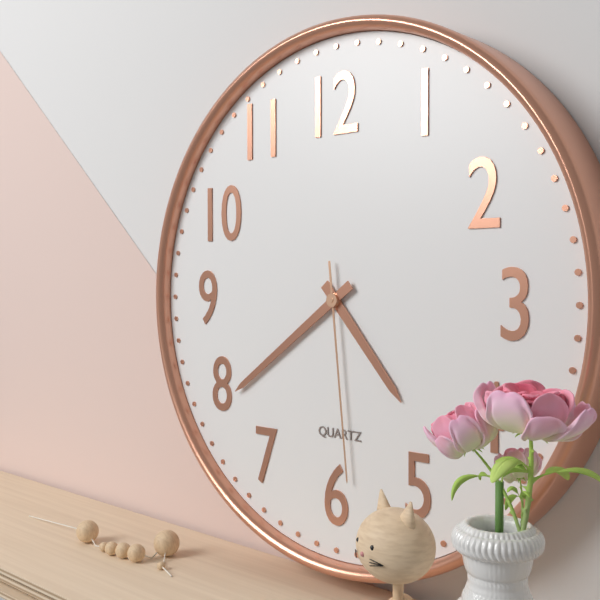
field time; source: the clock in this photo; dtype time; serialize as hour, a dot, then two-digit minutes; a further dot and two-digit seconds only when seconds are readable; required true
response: 4.39.29
